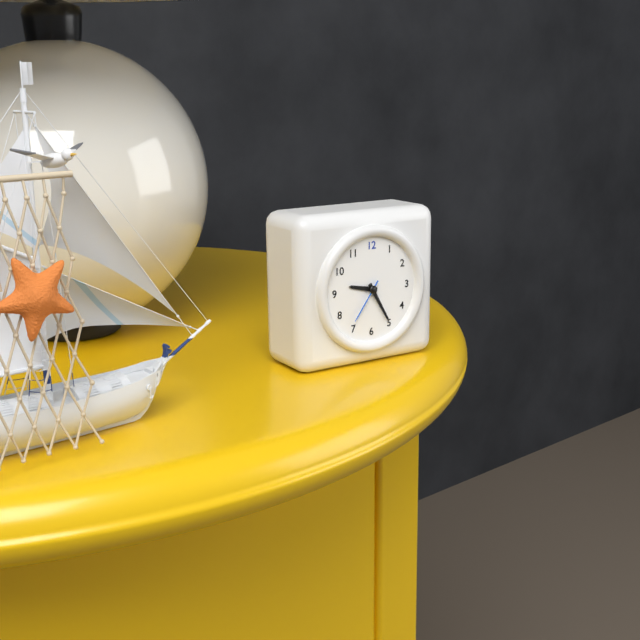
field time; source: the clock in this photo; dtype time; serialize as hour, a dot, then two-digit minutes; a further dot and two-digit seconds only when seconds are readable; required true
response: 9.25
